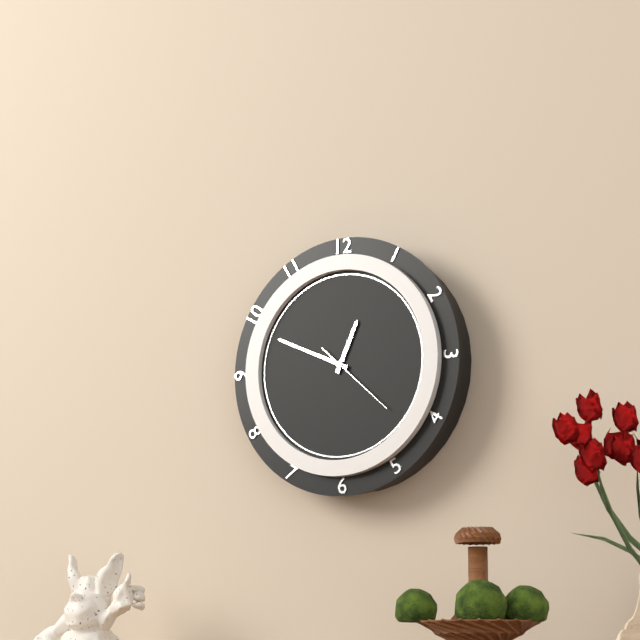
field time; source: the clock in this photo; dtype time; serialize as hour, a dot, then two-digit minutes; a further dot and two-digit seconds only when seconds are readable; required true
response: 12.49.22
